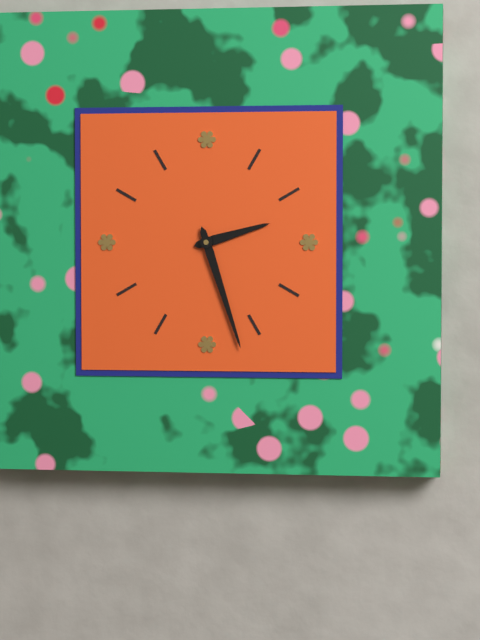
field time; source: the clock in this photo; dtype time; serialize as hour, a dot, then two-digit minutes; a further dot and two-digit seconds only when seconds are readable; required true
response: 2.27
